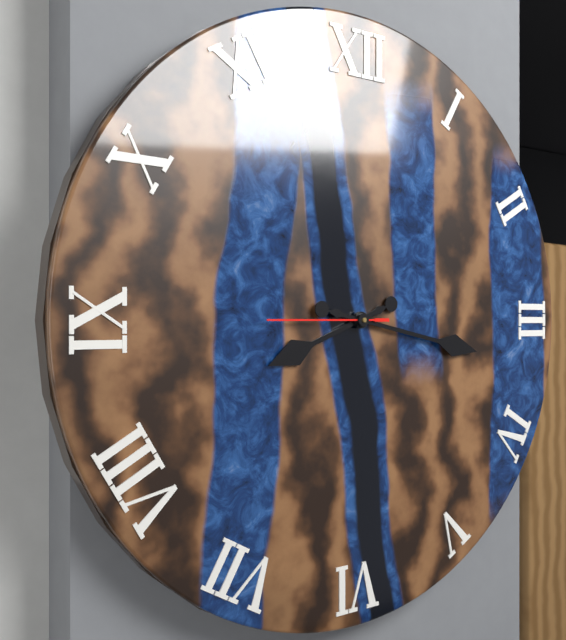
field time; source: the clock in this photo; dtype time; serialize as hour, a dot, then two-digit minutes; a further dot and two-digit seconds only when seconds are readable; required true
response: 8.17.45
